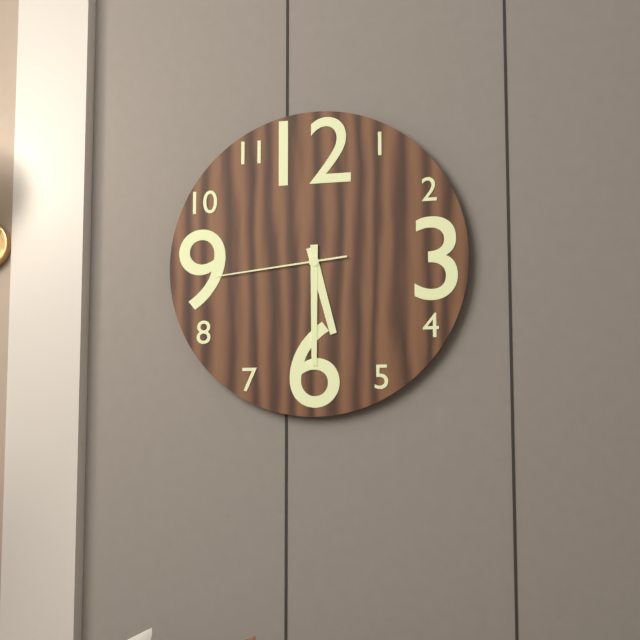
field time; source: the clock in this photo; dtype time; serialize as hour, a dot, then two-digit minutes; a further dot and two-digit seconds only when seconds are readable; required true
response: 5.30.44
